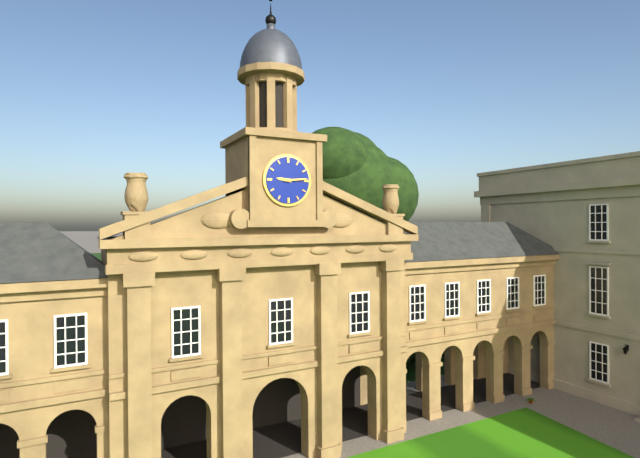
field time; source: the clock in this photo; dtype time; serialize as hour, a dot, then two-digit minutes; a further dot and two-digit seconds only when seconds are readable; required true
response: 9.14
